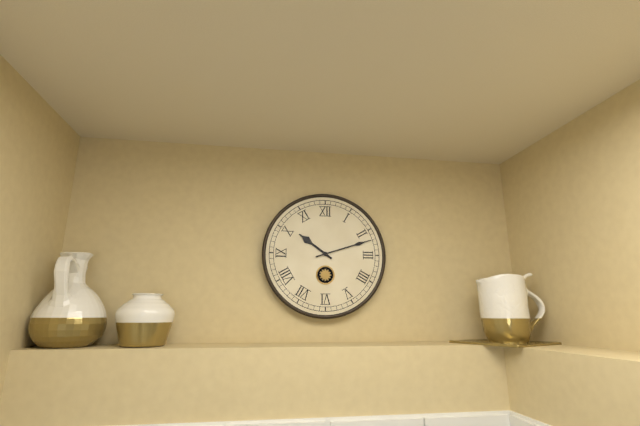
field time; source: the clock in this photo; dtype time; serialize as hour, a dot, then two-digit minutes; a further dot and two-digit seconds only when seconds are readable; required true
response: 10.12
